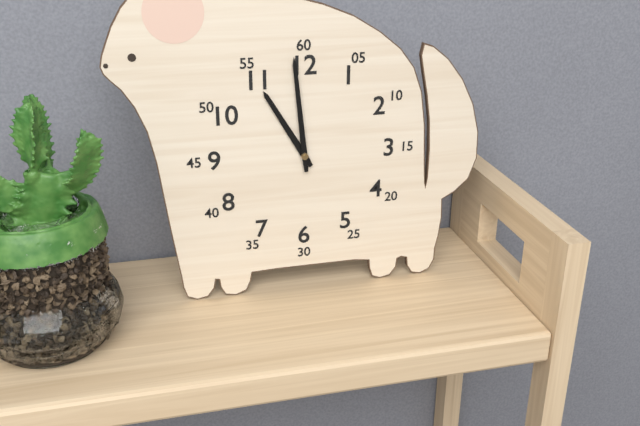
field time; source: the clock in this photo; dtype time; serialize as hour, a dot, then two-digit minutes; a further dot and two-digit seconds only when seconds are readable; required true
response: 10.59
